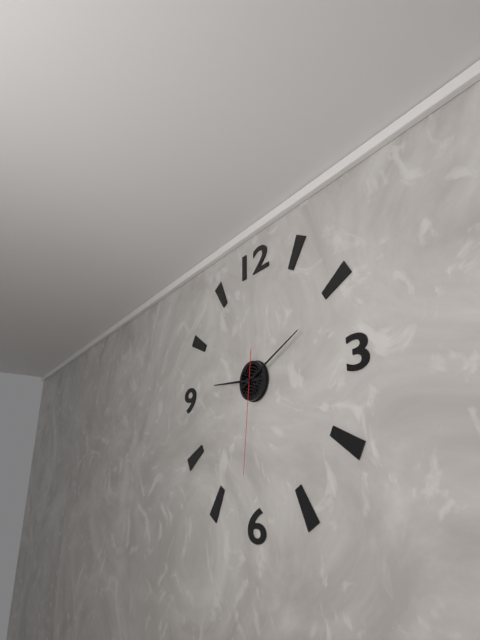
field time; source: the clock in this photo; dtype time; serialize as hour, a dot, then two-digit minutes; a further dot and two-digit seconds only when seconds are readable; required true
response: 9.11.31
